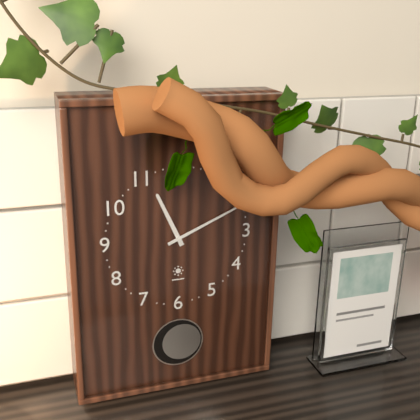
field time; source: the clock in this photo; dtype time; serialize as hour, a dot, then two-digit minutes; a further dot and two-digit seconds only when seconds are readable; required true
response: 11.11
